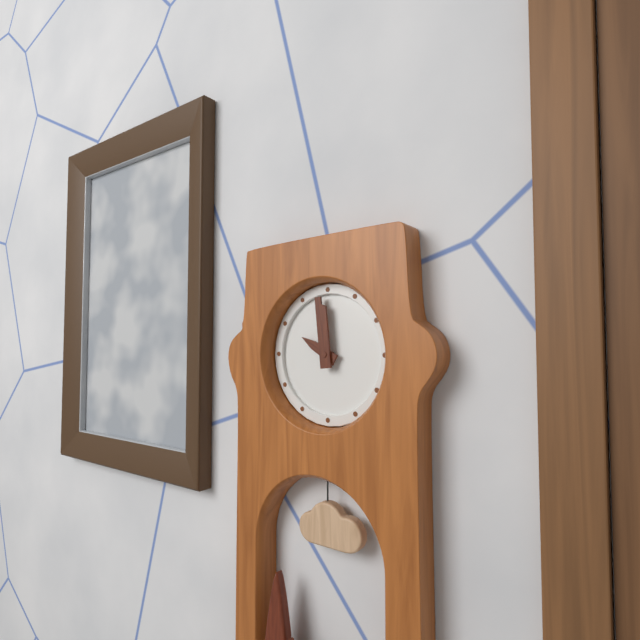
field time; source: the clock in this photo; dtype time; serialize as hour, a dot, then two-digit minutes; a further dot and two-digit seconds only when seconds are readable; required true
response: 9.59
